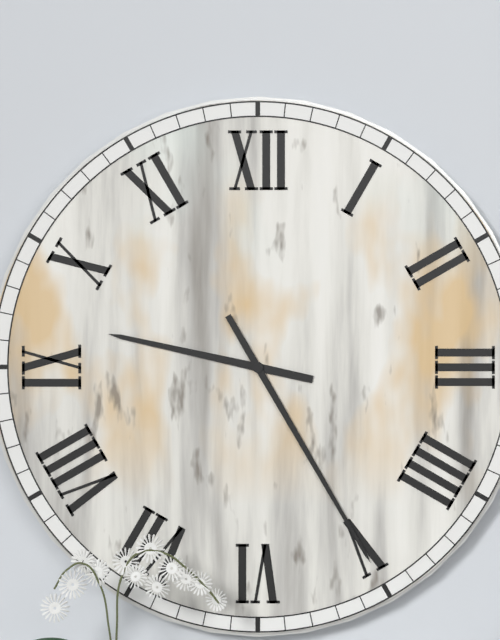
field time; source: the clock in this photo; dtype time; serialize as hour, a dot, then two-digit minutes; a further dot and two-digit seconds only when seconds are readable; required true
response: 9.25
